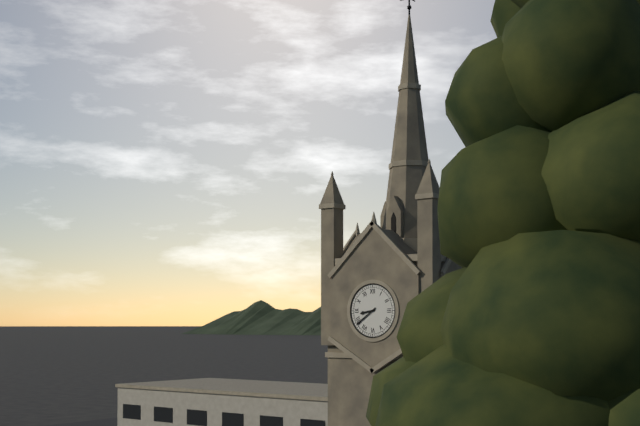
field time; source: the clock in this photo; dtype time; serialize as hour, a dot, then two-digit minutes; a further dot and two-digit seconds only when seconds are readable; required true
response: 8.39
